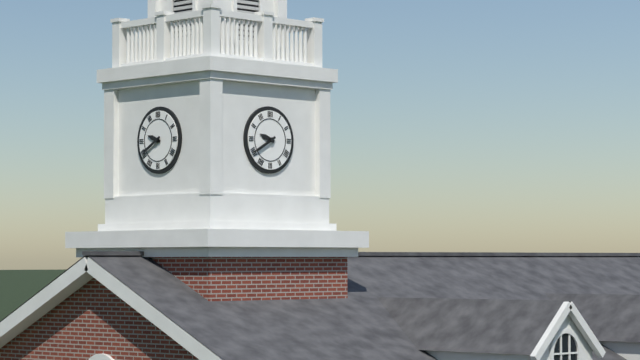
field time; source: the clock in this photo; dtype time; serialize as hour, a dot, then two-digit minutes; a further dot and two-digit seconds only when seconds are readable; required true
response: 9.40
